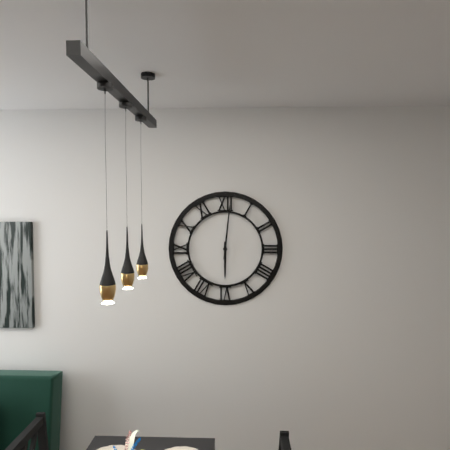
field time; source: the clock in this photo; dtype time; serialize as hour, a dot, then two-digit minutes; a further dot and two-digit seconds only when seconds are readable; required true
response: 6.01
